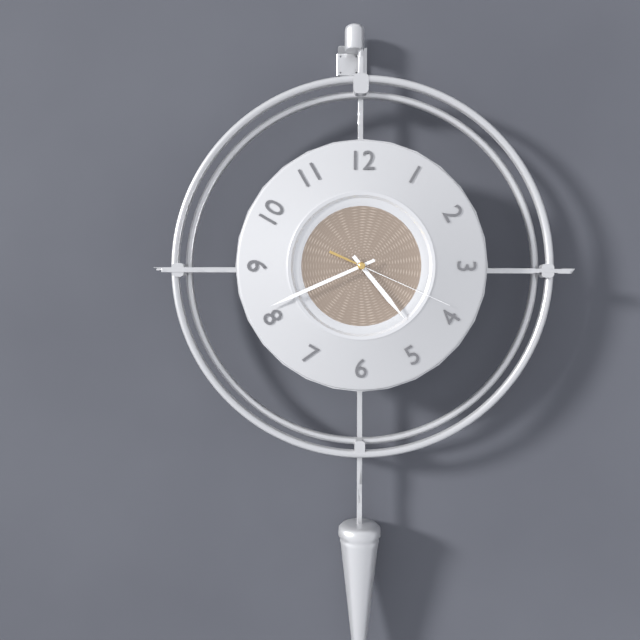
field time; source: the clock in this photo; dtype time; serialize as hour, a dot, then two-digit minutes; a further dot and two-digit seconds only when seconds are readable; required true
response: 4.41.19
